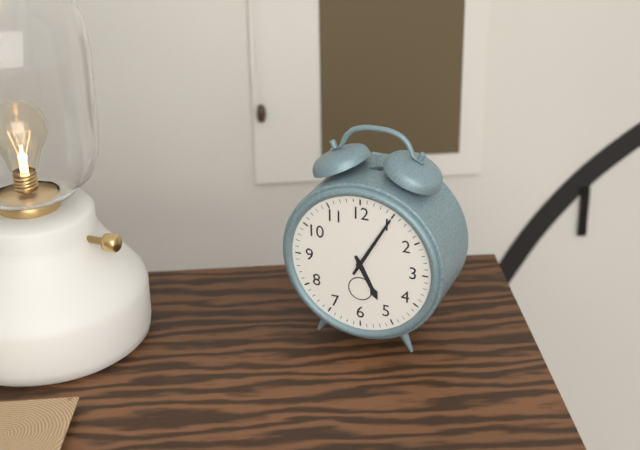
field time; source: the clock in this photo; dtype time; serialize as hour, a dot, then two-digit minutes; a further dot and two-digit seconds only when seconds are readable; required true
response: 5.05
